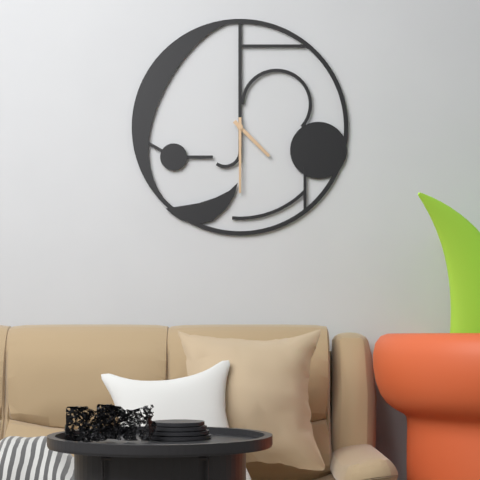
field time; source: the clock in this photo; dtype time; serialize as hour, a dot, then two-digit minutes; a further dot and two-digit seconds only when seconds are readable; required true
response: 4.30
